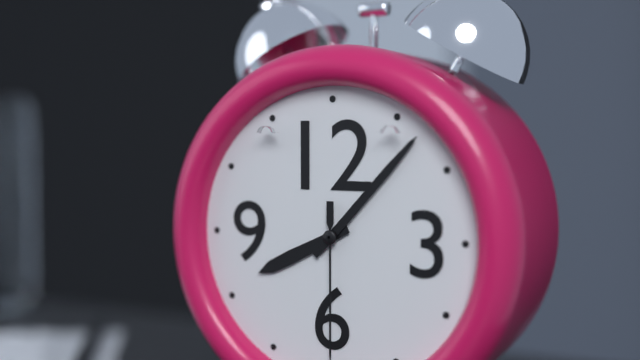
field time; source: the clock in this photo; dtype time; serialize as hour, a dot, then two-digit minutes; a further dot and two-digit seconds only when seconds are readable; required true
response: 8.07
